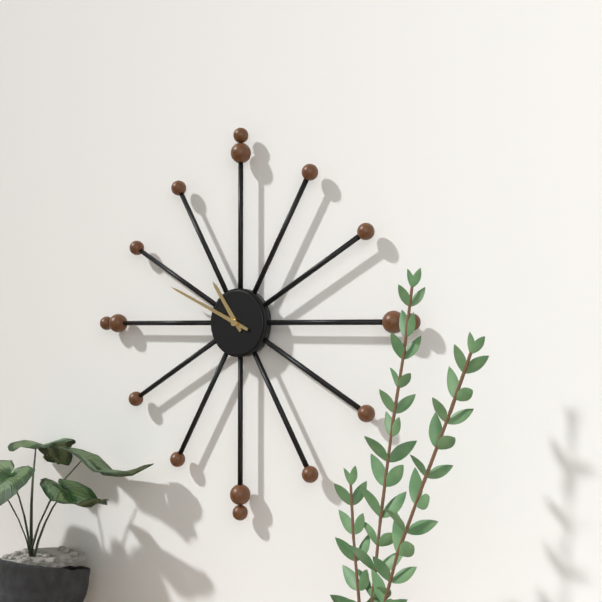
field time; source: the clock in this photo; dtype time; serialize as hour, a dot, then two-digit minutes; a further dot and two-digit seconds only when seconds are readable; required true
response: 10.49
